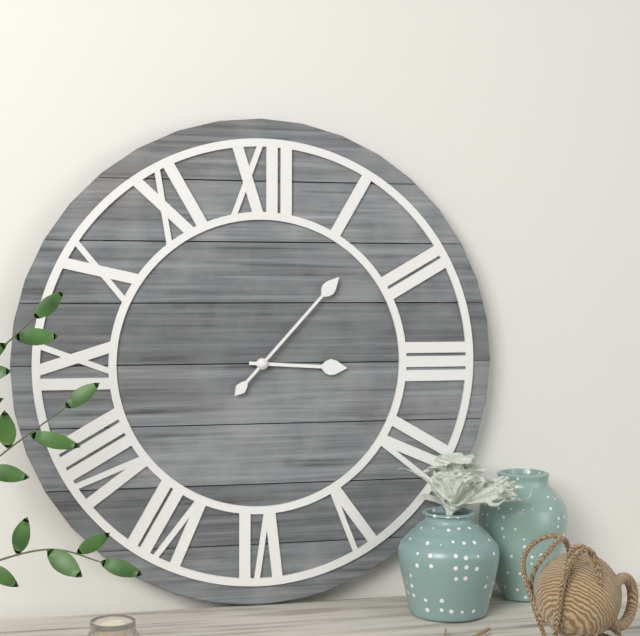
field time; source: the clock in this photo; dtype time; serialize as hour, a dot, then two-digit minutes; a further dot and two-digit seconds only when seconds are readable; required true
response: 3.07
